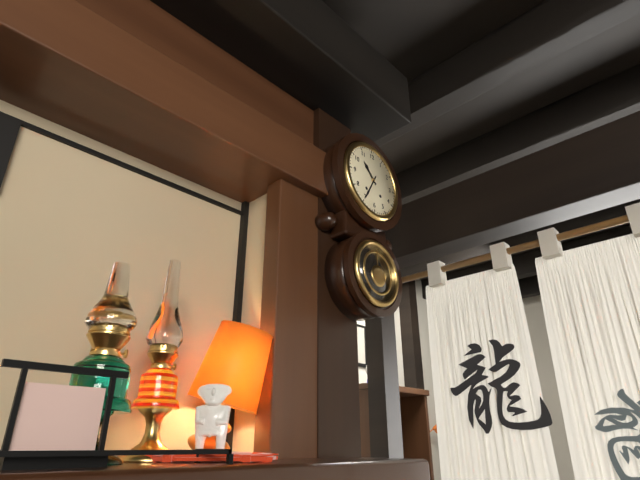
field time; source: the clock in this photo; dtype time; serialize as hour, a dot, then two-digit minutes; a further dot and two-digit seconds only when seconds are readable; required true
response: 10.35
